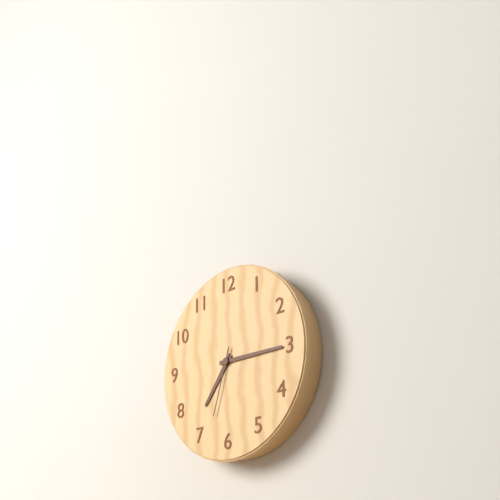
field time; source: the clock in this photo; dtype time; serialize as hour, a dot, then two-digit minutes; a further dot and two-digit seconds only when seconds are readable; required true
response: 7.15.33
